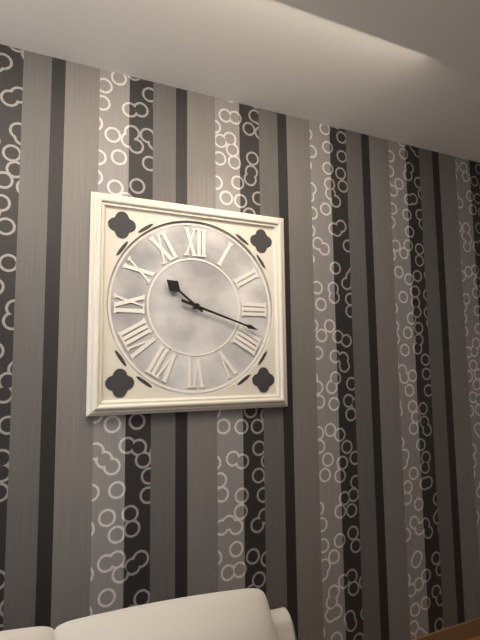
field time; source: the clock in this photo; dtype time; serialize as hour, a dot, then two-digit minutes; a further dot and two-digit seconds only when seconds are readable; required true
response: 10.18
